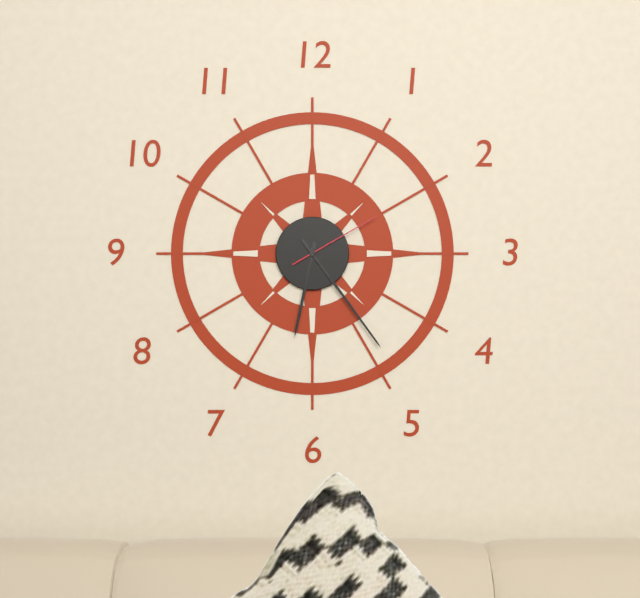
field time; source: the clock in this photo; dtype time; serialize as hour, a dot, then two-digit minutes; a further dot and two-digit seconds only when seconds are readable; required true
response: 6.24.10
